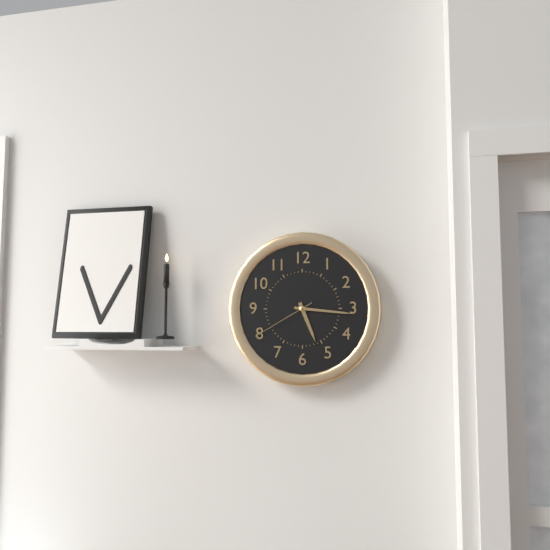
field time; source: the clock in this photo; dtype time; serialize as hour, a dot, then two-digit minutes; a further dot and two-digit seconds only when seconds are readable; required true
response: 5.16.40
